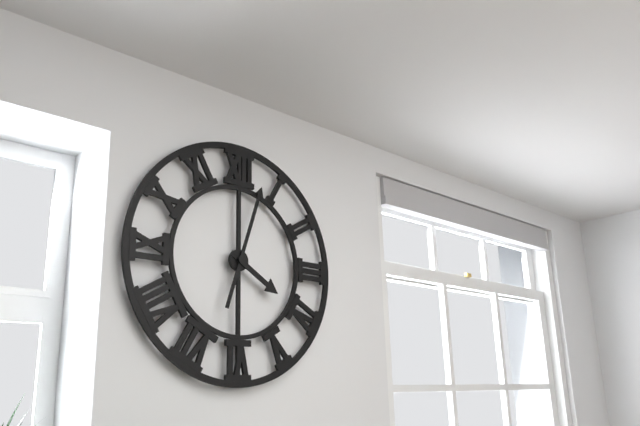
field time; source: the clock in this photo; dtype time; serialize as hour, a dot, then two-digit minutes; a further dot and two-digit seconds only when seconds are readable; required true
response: 4.03
